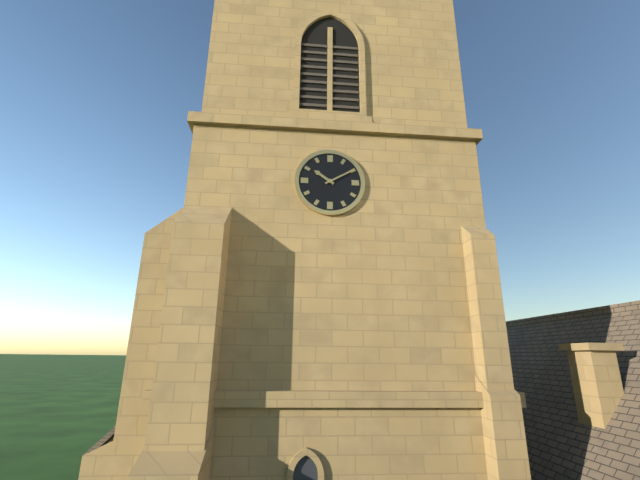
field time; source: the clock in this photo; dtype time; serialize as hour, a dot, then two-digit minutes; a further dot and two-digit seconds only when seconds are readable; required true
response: 10.10
